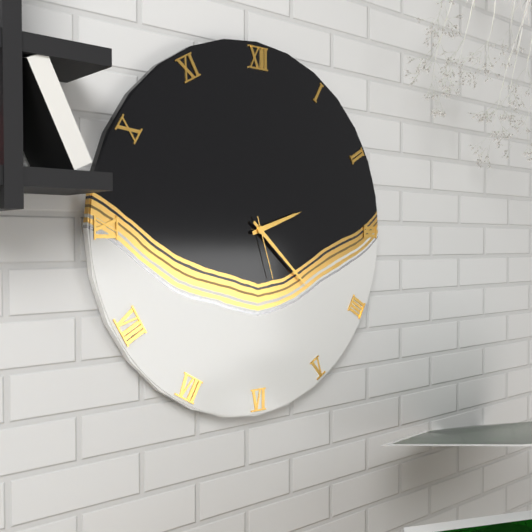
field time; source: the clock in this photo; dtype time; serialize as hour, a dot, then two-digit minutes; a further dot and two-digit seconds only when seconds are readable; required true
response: 2.22.27
